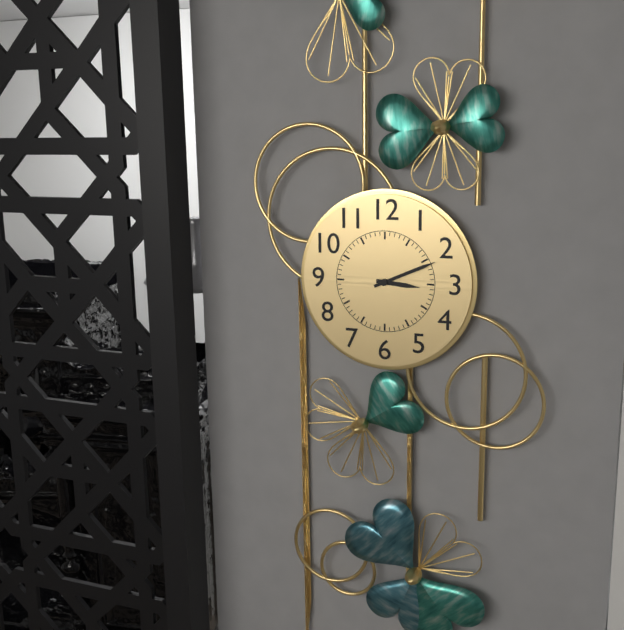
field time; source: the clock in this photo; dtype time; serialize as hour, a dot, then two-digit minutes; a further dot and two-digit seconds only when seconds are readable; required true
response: 3.11
